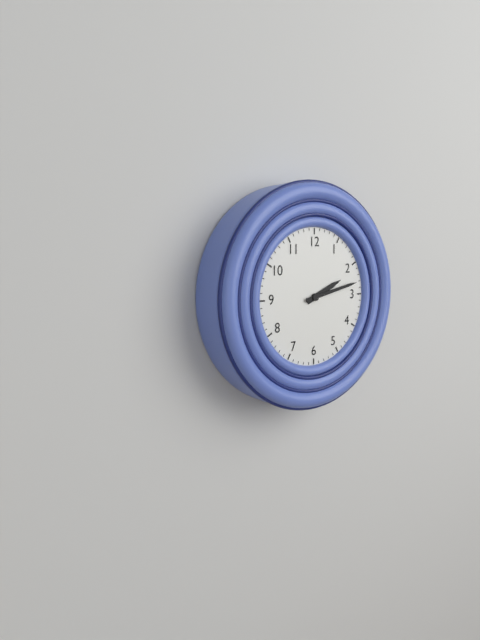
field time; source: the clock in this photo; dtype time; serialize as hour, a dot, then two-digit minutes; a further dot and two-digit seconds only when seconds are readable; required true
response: 2.13
